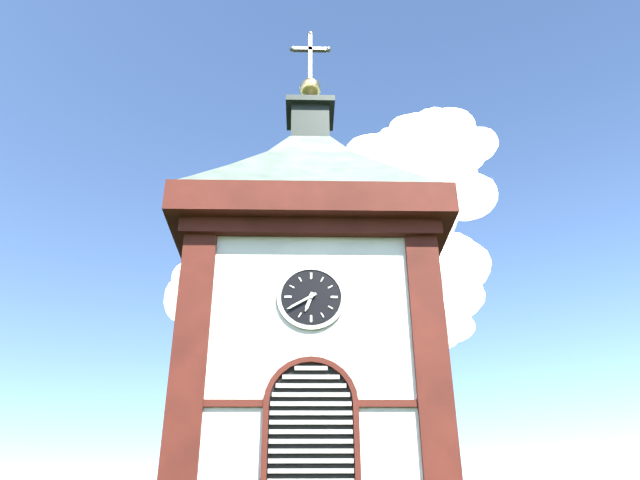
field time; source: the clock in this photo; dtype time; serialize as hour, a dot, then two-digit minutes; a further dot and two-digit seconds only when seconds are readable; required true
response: 6.40
